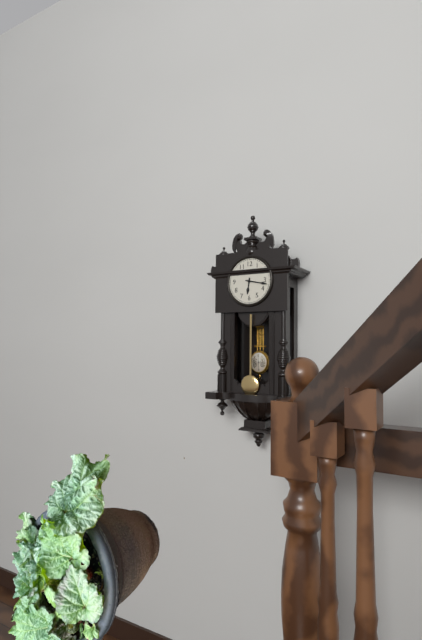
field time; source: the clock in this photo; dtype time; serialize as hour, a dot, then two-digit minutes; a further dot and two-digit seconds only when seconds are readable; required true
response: 6.17
